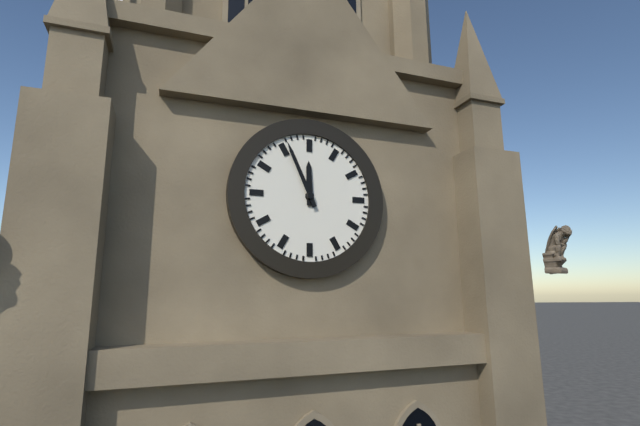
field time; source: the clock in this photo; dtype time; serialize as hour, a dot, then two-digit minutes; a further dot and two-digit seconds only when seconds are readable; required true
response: 11.56
